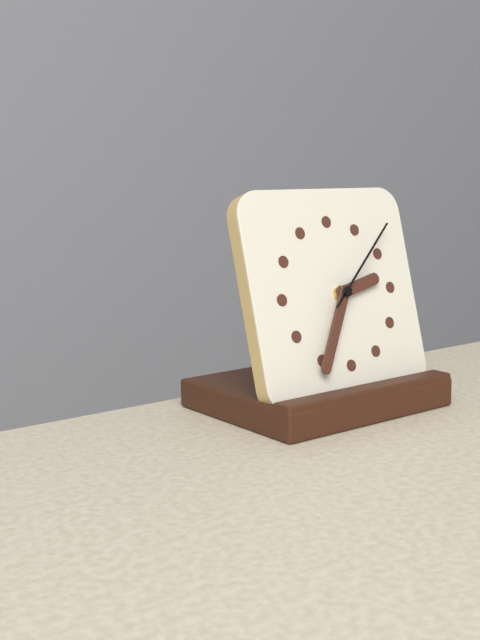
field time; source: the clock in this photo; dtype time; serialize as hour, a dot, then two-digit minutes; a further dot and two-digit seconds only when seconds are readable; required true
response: 2.35.08
